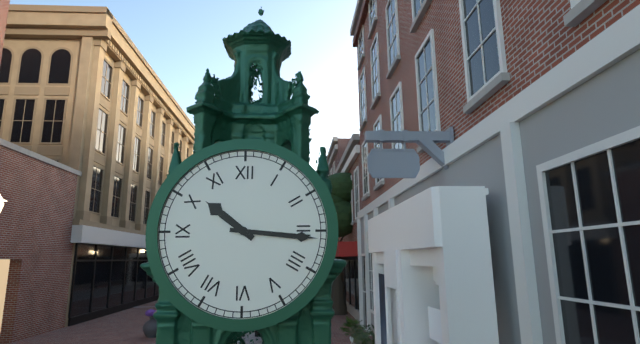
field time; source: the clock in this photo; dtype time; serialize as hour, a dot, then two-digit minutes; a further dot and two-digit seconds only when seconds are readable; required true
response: 10.16
